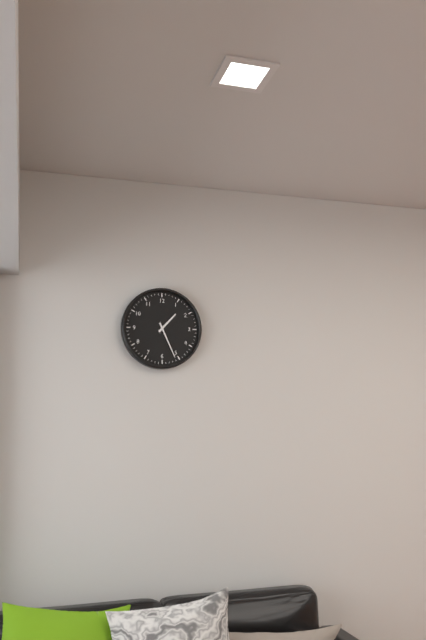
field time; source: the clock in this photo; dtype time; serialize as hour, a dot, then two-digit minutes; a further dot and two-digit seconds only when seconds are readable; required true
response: 1.26
